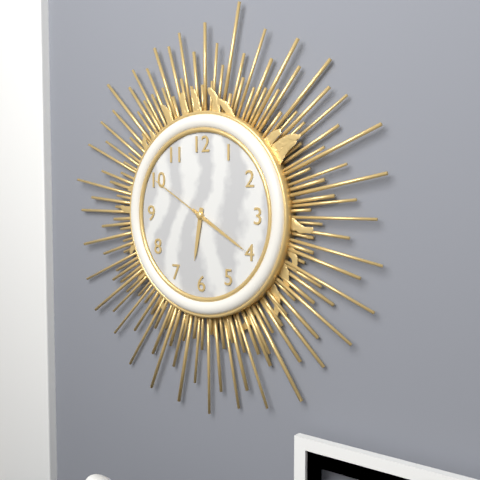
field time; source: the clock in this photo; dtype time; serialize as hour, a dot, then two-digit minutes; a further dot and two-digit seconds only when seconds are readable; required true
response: 6.20.50
